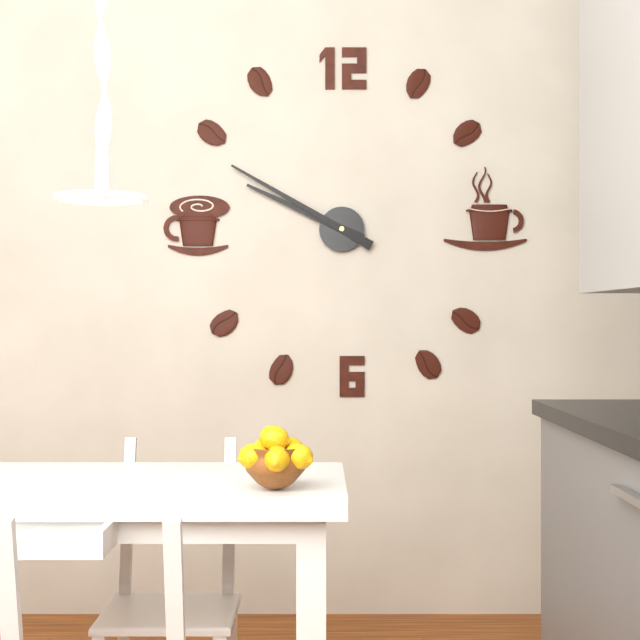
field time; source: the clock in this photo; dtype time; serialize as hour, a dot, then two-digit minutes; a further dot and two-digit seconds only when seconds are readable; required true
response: 9.50
